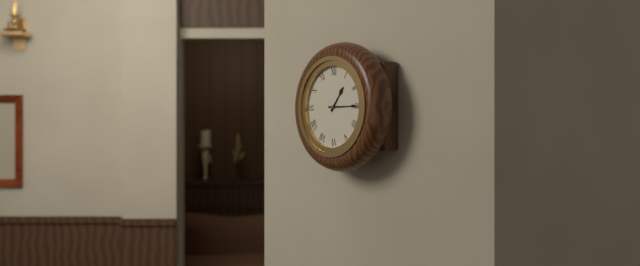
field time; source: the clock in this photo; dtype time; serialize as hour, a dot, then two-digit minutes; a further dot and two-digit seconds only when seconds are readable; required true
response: 1.15
